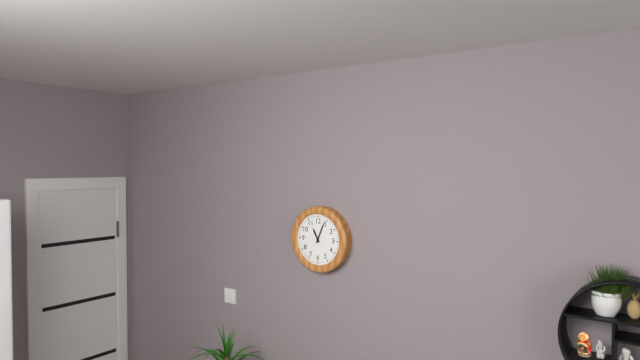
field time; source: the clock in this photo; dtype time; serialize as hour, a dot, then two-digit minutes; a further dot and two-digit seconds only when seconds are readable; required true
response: 11.04
